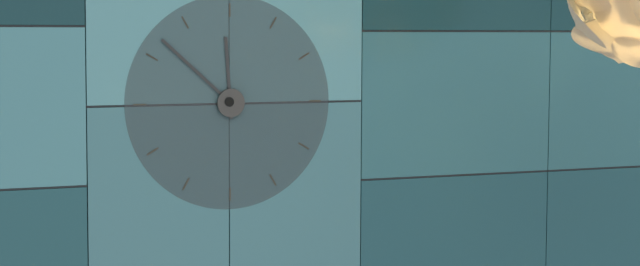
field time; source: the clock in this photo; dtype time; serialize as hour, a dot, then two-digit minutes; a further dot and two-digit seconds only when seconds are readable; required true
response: 11.52
